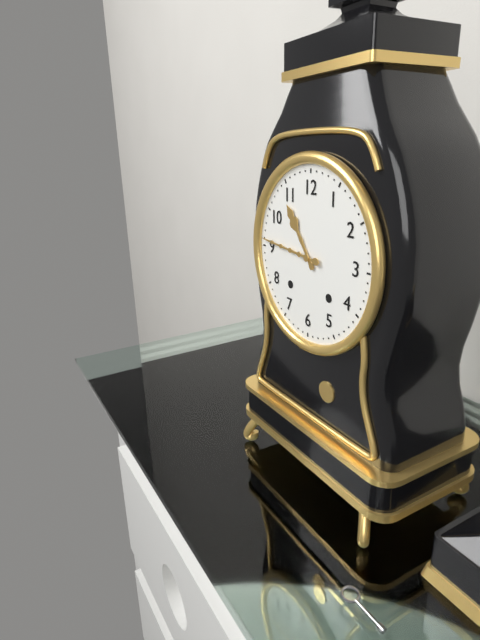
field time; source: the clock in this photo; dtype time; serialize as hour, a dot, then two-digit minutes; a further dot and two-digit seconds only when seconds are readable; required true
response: 10.46
